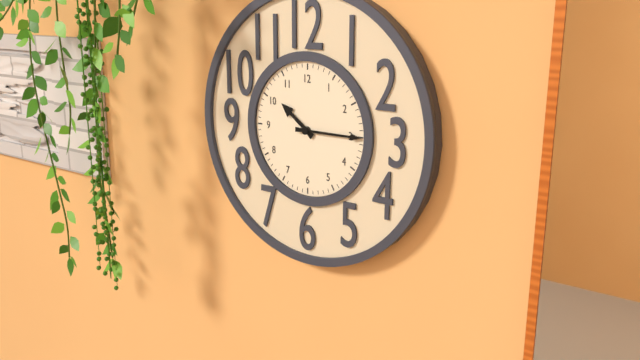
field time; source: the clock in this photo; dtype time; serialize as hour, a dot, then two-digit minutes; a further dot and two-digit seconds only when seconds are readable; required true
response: 10.15
